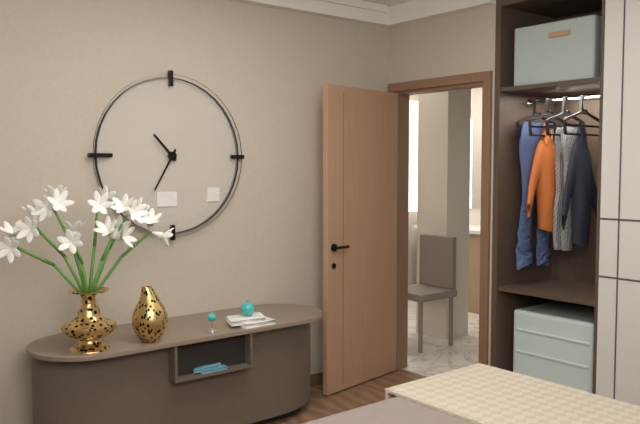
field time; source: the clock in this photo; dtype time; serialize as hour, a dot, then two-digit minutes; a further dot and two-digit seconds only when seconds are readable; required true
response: 10.35
